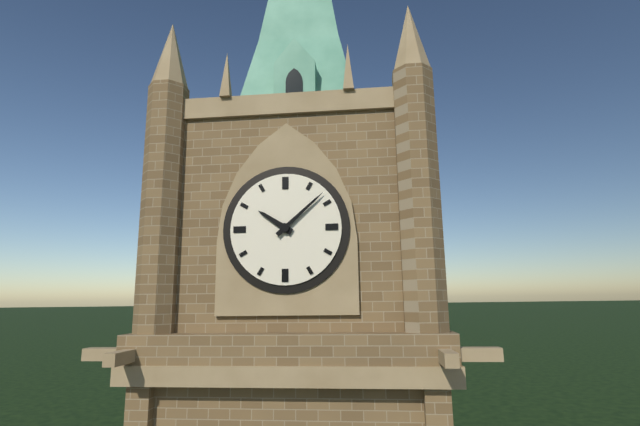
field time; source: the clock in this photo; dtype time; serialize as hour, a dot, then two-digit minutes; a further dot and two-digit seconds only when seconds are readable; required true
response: 10.08
